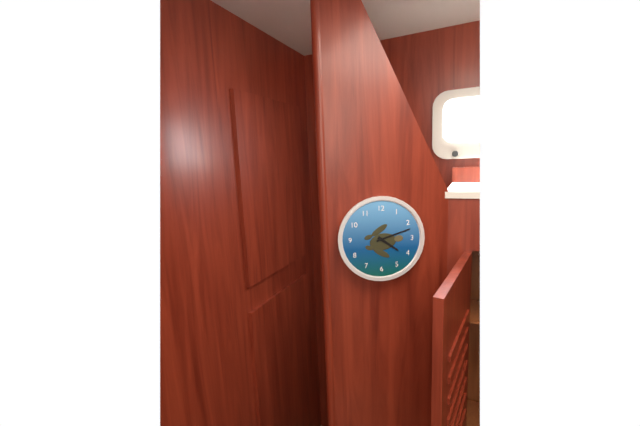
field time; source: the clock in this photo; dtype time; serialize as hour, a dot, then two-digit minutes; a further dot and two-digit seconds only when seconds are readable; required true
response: 4.12
